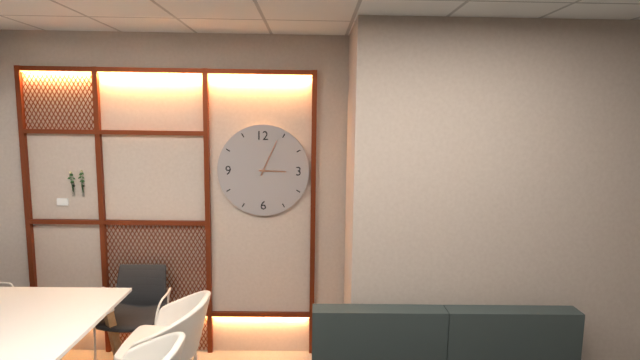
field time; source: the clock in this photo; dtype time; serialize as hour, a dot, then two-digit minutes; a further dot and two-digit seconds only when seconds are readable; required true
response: 3.04
